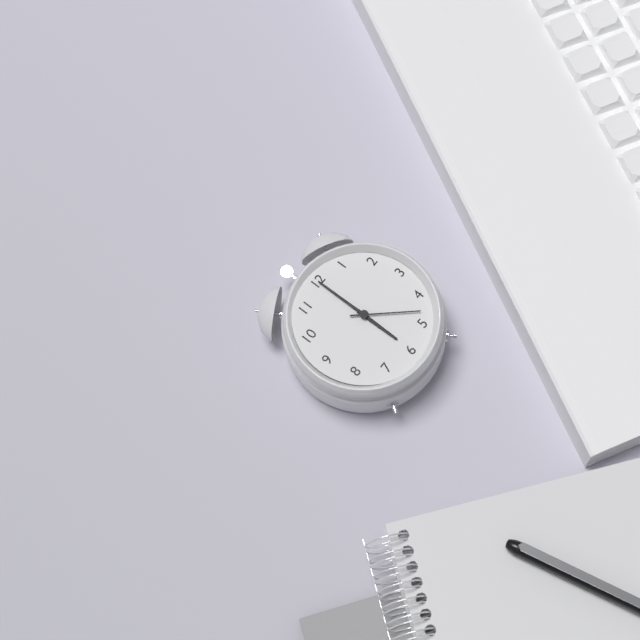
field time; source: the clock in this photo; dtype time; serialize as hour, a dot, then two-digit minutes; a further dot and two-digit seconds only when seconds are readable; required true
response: 6.00.23
